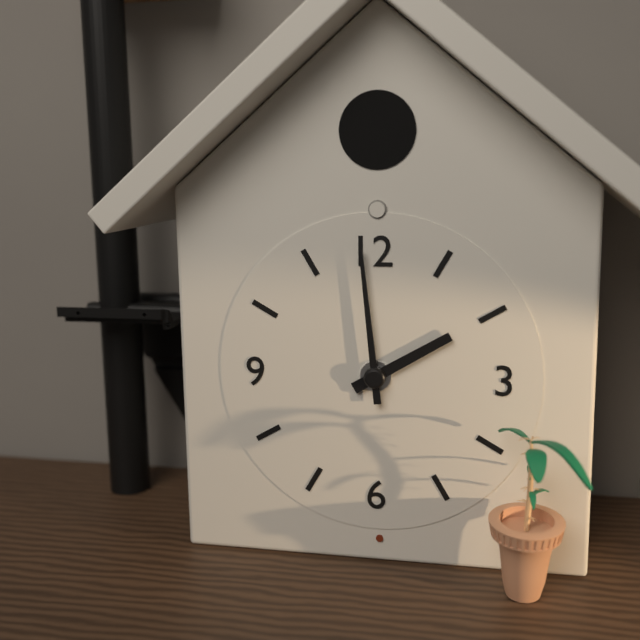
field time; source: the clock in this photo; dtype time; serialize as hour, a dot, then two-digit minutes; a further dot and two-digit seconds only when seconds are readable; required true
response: 1.59
